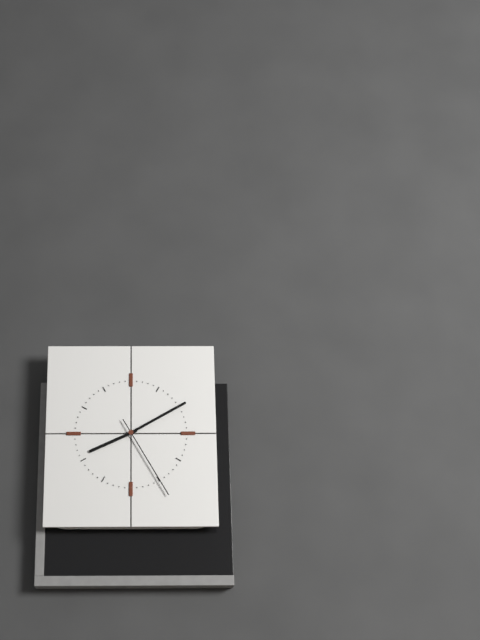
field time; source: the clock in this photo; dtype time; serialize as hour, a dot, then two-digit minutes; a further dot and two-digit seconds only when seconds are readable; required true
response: 8.10.25
